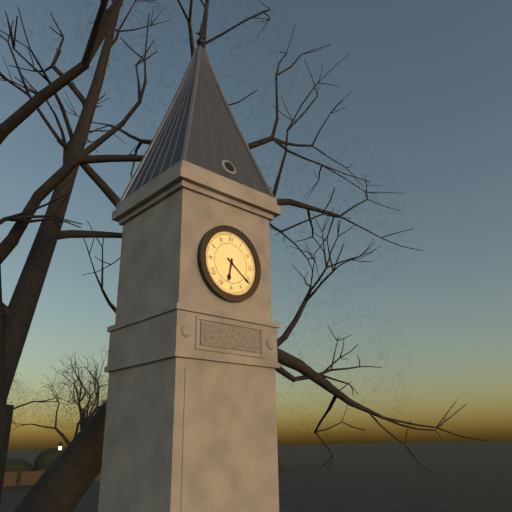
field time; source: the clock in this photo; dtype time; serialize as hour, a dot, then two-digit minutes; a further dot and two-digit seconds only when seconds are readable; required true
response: 6.21
